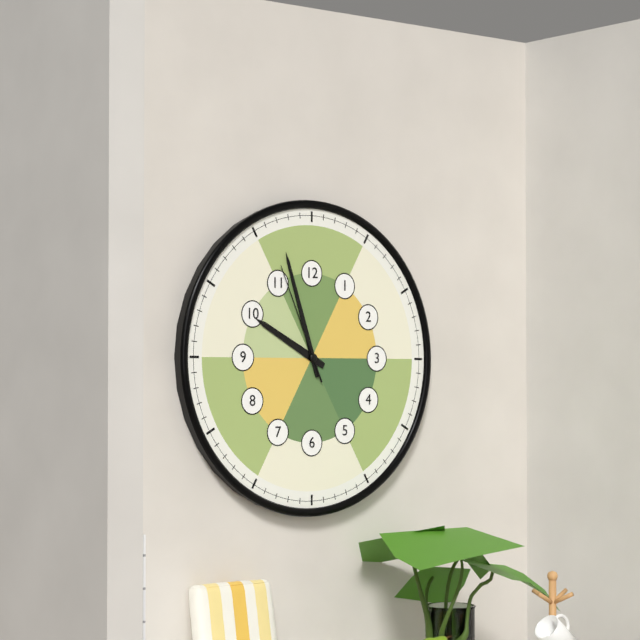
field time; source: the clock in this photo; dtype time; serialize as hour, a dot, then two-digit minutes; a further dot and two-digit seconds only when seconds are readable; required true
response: 9.57.56
